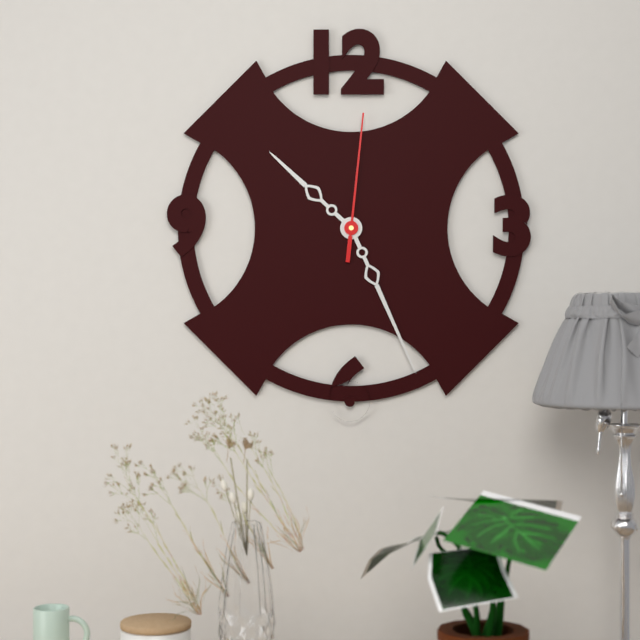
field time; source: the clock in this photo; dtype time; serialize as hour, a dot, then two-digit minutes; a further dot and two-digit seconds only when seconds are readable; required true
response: 10.26.01
